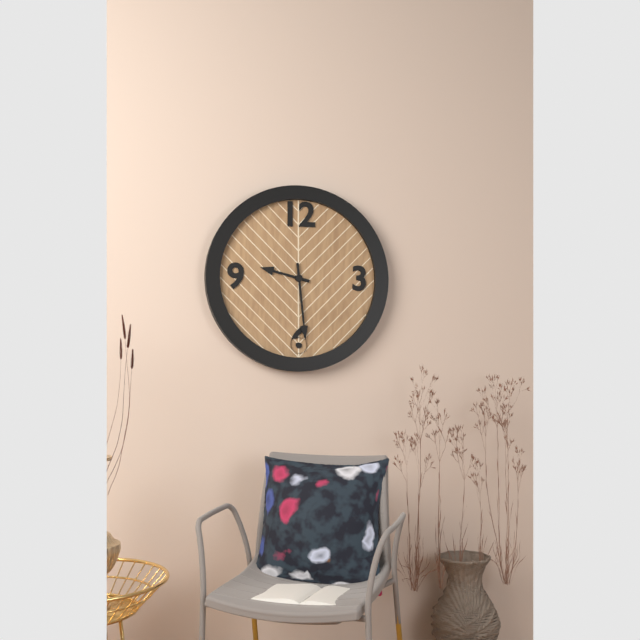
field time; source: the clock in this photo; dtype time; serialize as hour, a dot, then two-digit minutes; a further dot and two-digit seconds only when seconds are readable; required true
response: 9.29
